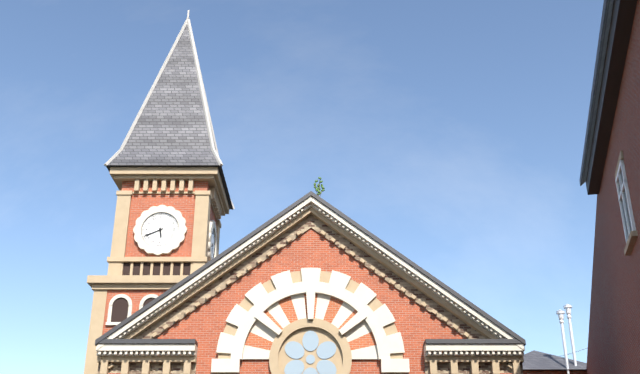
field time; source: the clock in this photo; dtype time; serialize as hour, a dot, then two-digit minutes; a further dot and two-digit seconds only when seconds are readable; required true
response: 5.41
